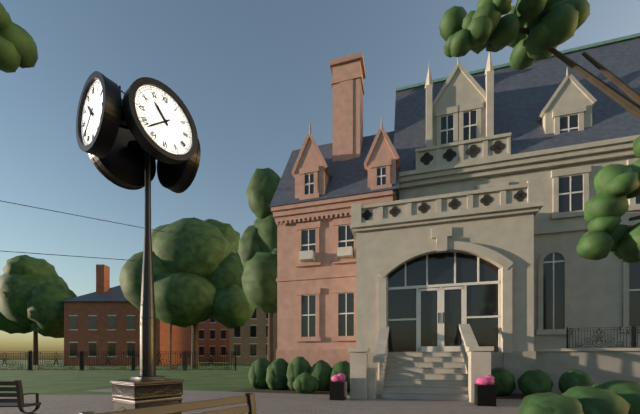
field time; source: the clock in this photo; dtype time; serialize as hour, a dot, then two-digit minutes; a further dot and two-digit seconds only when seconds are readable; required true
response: 10.38
